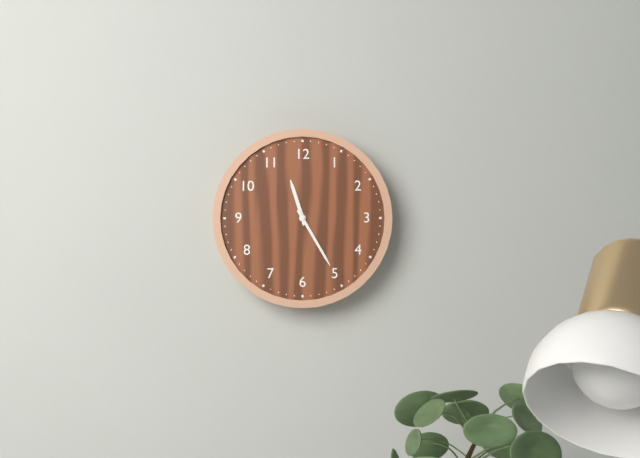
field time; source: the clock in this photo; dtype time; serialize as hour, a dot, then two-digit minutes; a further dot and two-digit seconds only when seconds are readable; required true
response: 11.25
